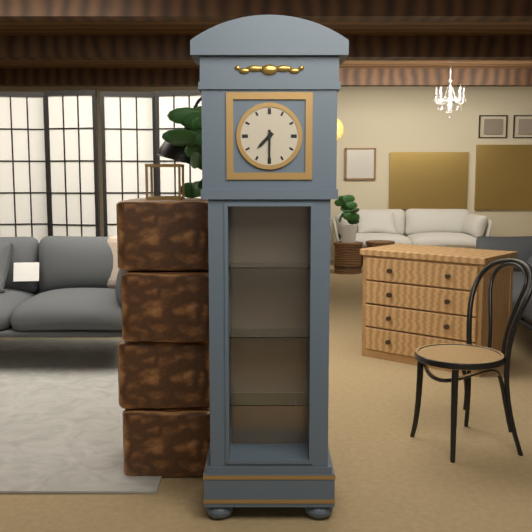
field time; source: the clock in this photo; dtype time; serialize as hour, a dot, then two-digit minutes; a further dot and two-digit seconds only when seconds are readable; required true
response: 7.30
